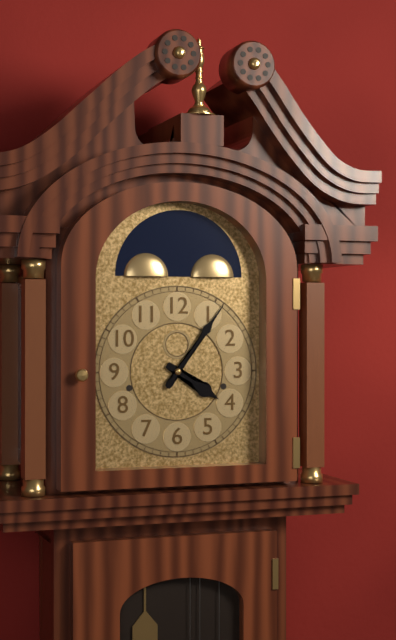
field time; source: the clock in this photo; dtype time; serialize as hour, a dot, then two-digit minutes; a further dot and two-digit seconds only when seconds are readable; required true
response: 4.06
